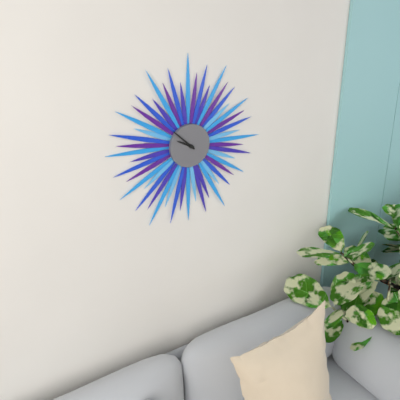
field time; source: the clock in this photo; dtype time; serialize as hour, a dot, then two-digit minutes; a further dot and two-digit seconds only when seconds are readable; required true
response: 9.52
